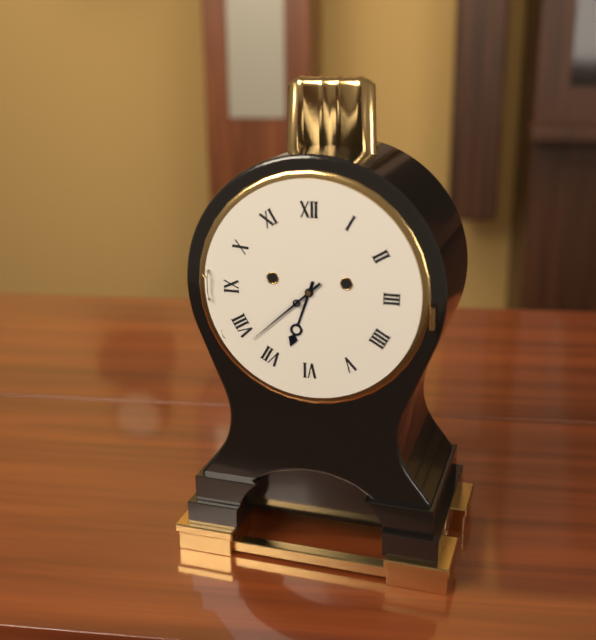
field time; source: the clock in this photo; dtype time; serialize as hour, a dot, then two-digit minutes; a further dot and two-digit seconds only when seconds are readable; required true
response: 6.38
